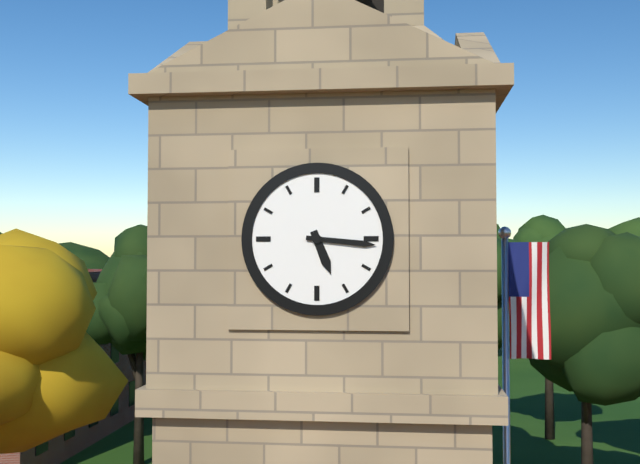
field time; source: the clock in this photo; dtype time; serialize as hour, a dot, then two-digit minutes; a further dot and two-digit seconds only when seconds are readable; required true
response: 5.16
